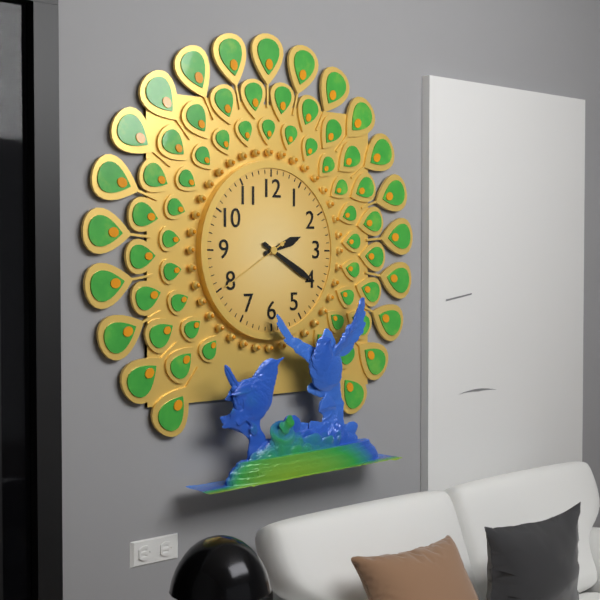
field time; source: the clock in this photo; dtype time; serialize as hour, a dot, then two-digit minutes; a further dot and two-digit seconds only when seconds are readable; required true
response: 2.20.40
